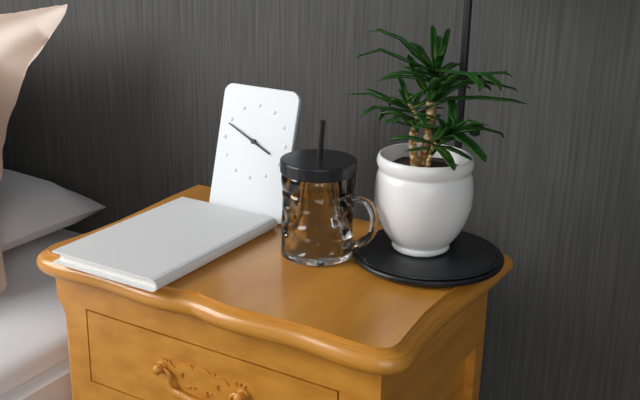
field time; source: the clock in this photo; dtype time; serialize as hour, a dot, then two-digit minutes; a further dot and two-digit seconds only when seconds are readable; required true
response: 3.49
